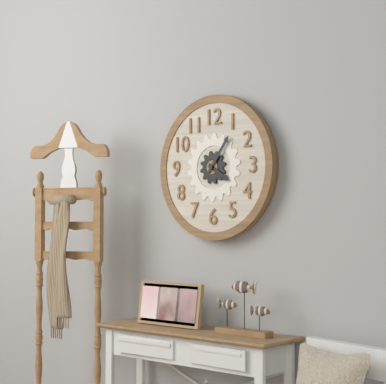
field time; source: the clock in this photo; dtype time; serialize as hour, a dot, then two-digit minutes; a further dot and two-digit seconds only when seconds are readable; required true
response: 4.06
